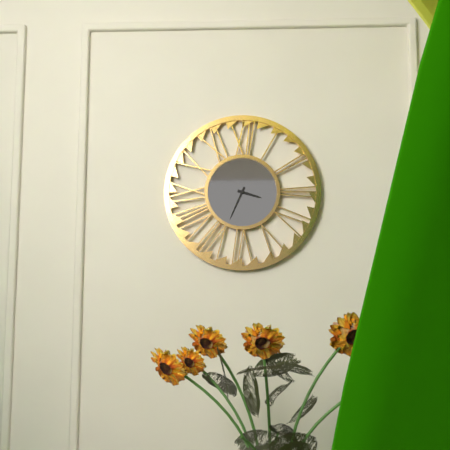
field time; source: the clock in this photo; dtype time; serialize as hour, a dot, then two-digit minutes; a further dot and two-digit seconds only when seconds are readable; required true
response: 3.34
